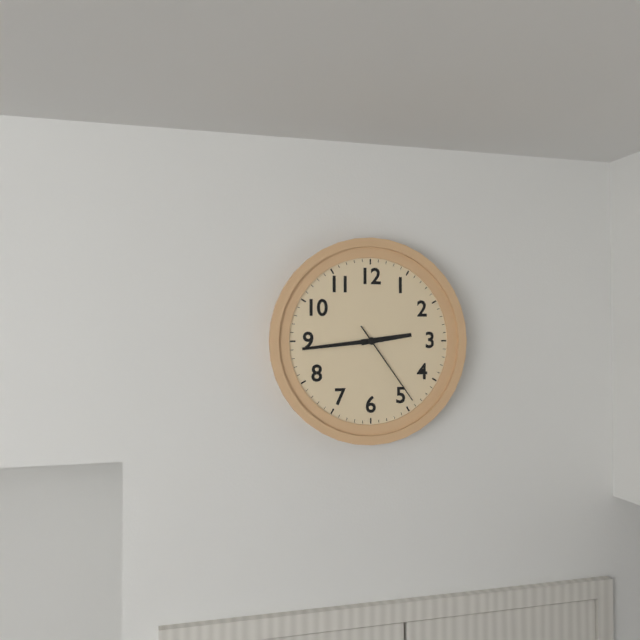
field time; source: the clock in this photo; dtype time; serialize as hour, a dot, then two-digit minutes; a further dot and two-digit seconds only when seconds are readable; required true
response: 2.44.24
